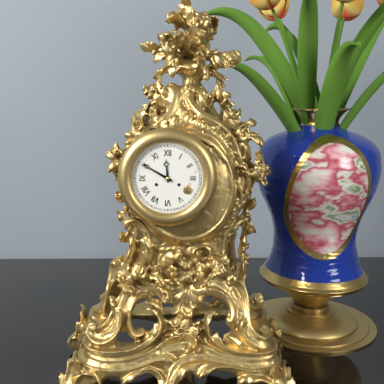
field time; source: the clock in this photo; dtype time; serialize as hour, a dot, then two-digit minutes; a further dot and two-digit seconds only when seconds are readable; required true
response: 11.50
